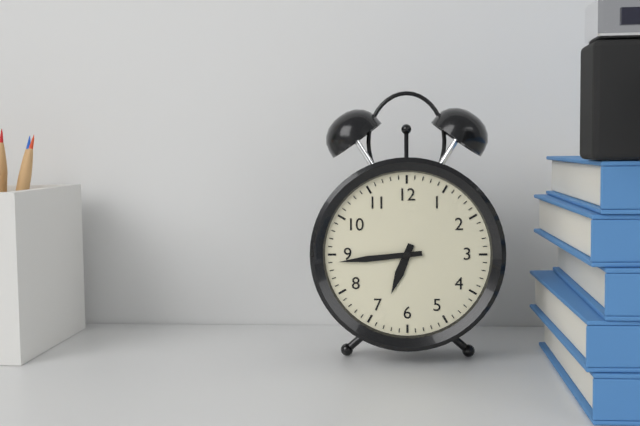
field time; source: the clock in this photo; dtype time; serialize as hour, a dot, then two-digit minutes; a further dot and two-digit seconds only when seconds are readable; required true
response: 6.44
